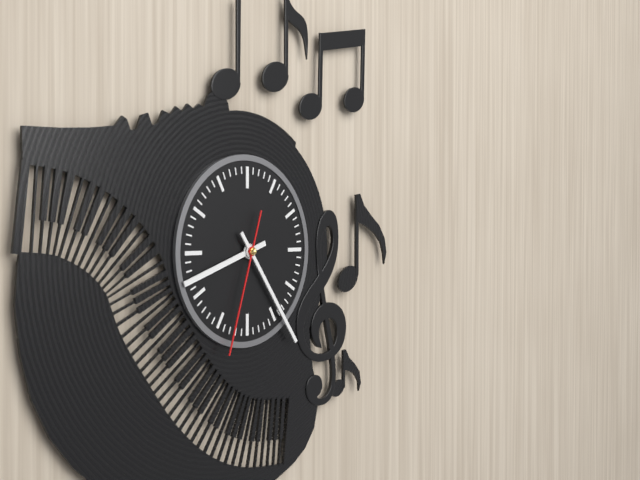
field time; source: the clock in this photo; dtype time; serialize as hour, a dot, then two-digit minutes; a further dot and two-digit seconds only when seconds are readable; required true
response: 8.24.33
